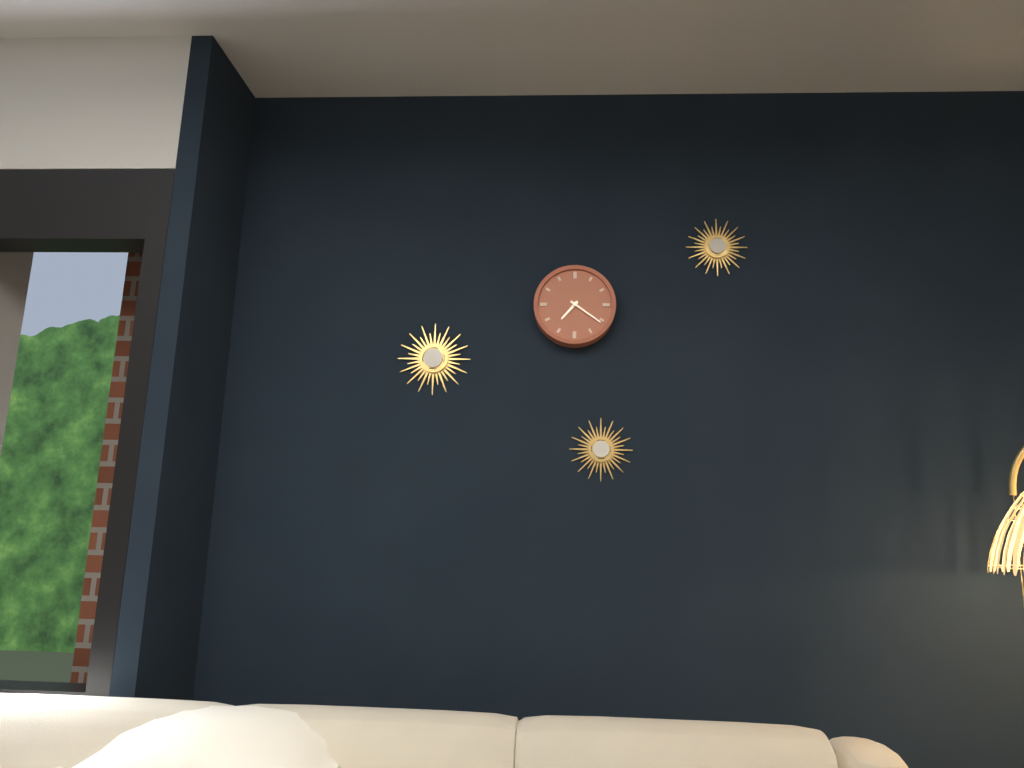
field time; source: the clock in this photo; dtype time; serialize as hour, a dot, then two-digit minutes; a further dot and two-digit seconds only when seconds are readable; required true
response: 7.21
